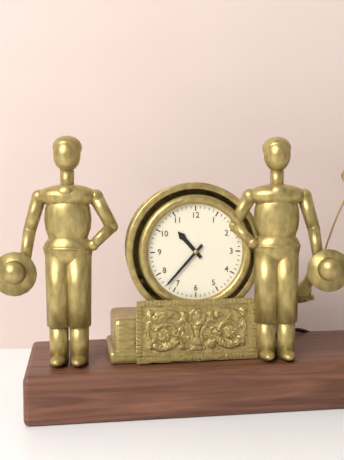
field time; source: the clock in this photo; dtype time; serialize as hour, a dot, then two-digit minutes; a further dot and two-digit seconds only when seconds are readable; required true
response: 10.37
